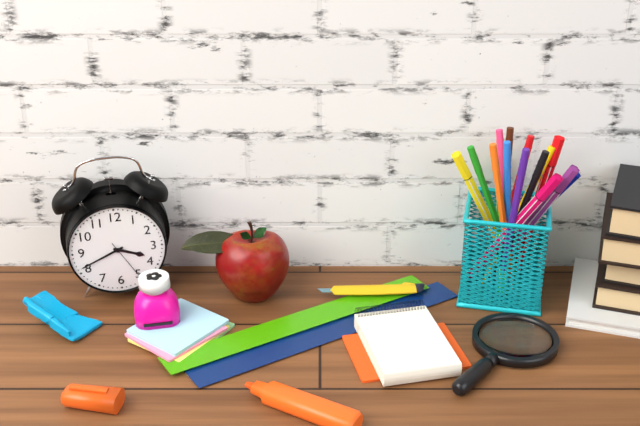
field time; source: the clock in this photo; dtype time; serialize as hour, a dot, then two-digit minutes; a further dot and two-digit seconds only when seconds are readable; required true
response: 3.41
